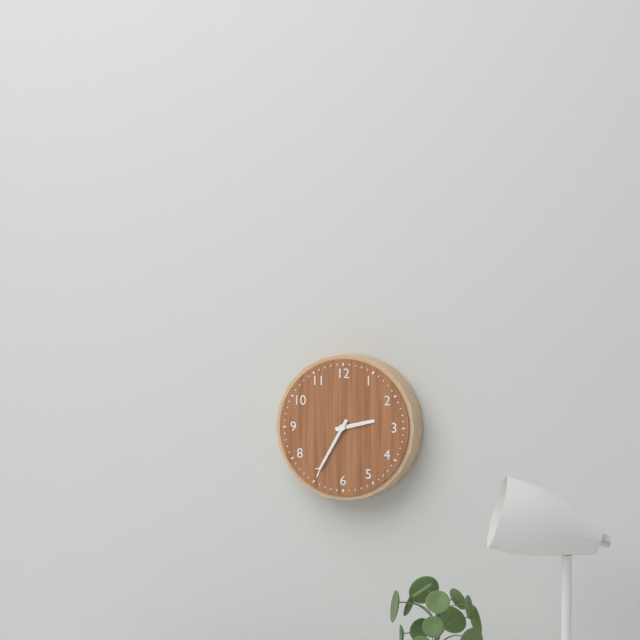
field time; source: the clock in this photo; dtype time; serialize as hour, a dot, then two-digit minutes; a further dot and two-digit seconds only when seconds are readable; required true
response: 2.35
